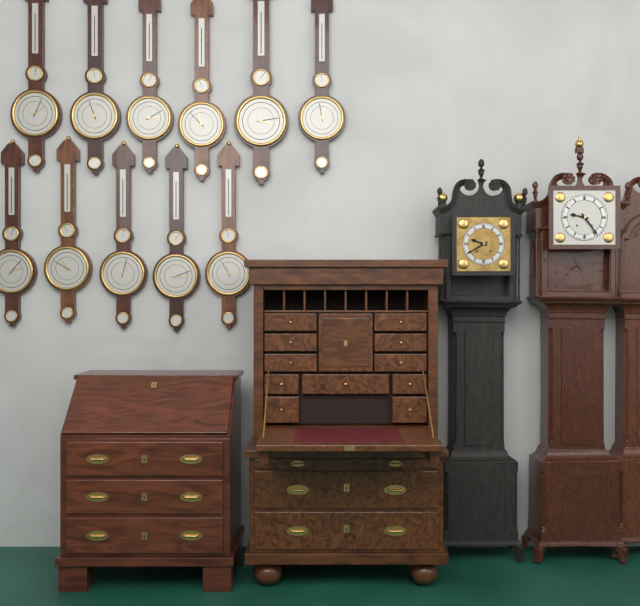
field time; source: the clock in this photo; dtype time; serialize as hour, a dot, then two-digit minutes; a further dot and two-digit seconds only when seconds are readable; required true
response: 9.24
